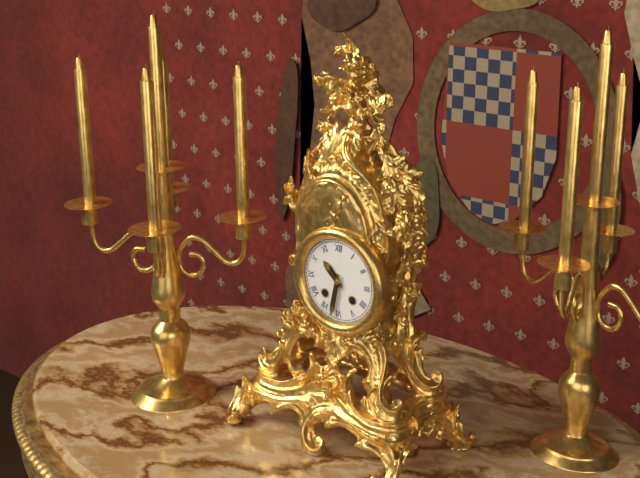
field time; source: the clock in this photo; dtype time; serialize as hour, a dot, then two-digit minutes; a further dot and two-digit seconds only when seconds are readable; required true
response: 10.32
